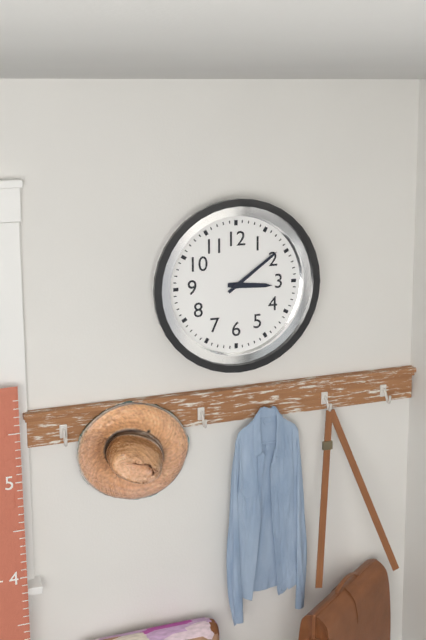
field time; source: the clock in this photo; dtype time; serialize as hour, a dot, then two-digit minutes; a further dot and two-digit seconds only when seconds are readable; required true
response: 3.09
